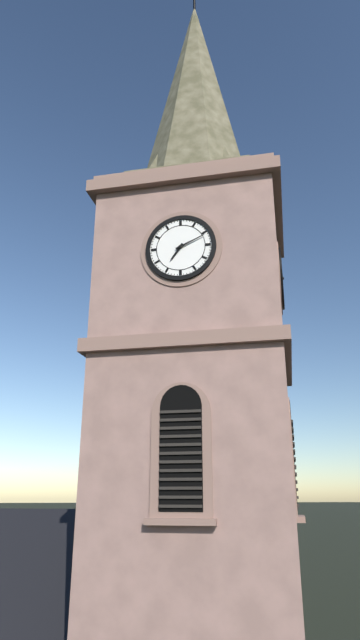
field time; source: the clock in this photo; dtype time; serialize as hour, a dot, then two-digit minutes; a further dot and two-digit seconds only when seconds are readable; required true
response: 7.11
